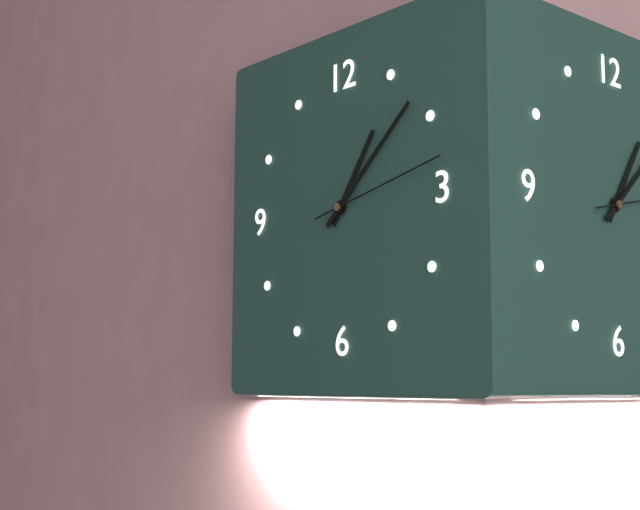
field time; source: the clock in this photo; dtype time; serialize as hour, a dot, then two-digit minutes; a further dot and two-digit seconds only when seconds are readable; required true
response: 1.08.13
